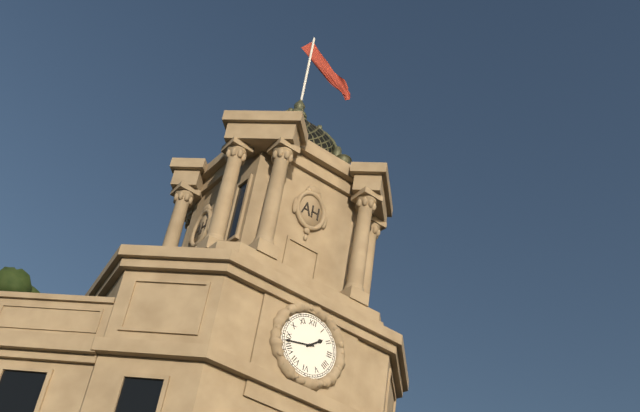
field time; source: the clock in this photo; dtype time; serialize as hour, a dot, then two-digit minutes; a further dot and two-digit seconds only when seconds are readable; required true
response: 1.43
